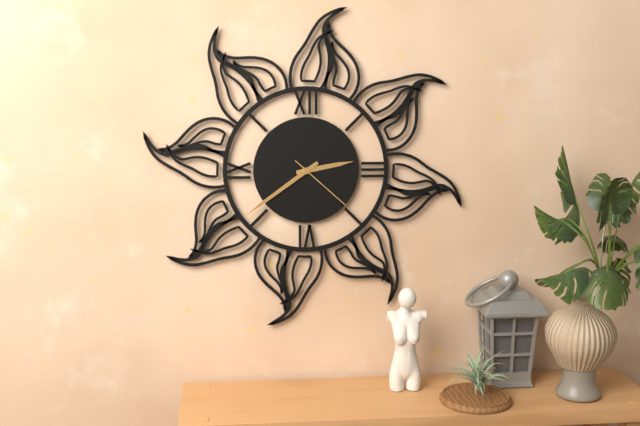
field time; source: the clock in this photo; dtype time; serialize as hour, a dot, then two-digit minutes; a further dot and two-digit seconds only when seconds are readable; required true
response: 2.39.22
